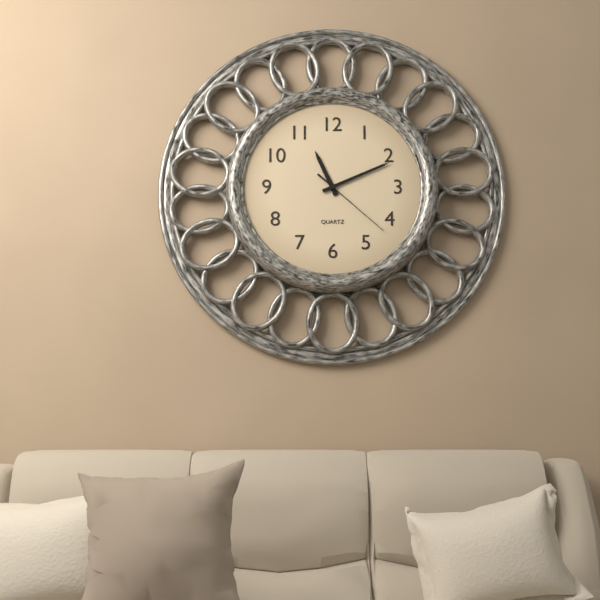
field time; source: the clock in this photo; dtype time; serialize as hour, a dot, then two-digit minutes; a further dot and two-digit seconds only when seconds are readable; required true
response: 11.11.22
